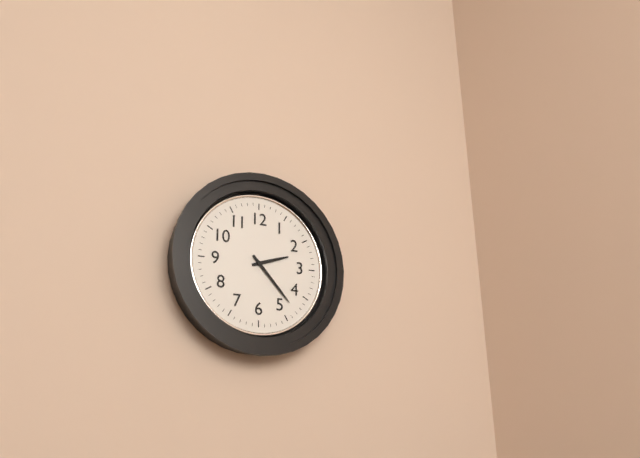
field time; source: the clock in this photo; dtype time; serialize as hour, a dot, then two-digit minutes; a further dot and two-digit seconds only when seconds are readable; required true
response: 2.23
